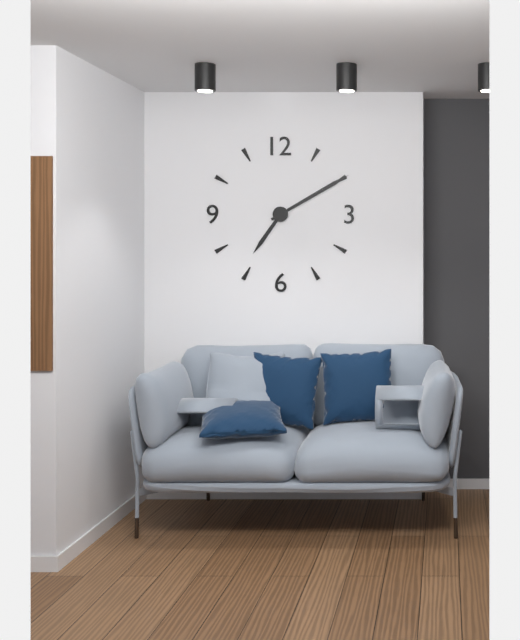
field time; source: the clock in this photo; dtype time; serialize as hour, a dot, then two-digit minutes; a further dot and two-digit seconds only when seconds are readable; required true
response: 7.10
